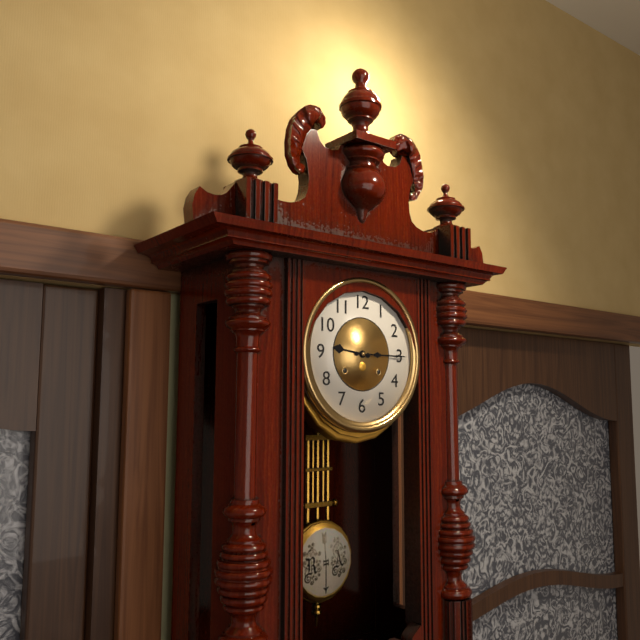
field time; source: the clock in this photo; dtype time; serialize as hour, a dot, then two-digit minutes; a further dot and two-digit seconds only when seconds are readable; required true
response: 9.15
